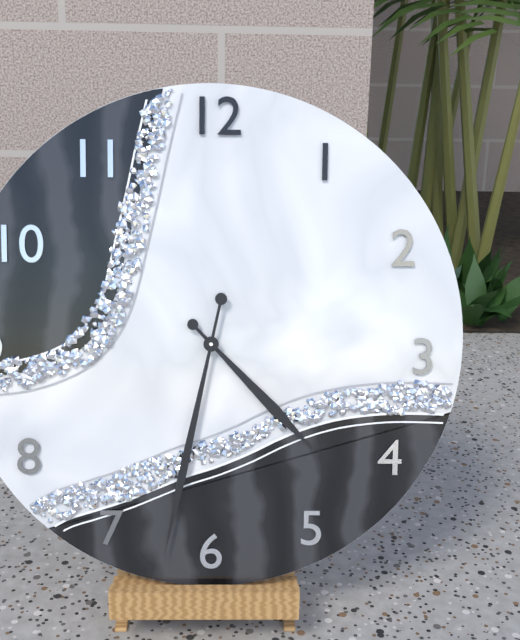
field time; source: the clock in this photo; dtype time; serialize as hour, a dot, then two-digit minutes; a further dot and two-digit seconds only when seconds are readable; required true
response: 4.32
